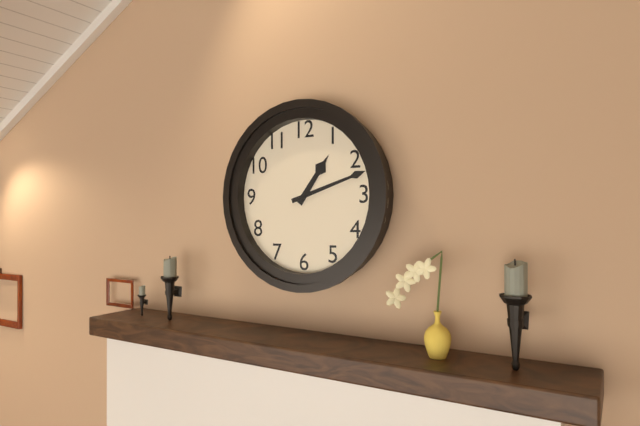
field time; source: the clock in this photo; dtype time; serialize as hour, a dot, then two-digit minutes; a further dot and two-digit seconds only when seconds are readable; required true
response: 1.12
